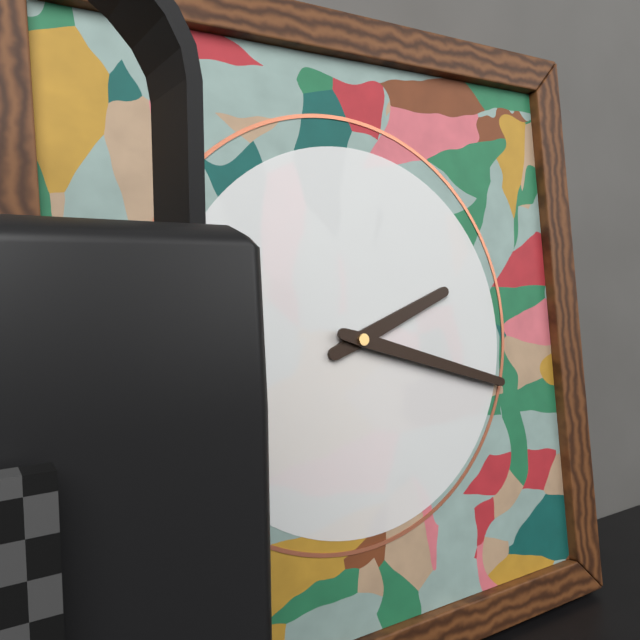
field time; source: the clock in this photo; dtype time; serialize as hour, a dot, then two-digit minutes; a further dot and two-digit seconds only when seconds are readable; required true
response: 2.18
